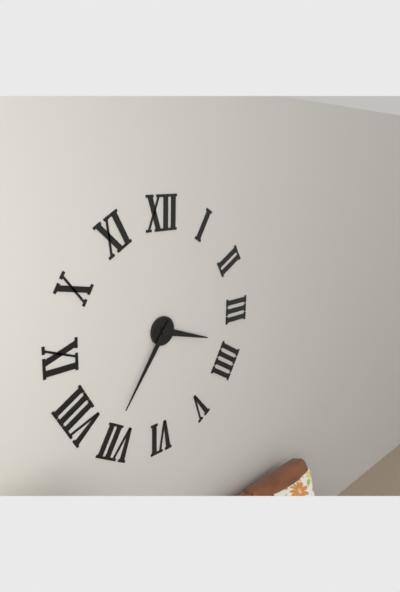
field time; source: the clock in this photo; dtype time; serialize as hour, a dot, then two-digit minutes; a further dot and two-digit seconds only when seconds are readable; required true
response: 3.36
